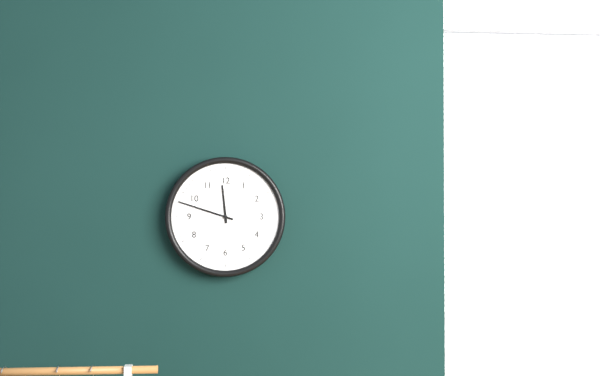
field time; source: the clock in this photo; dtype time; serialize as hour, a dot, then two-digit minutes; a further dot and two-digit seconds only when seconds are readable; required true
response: 11.48
